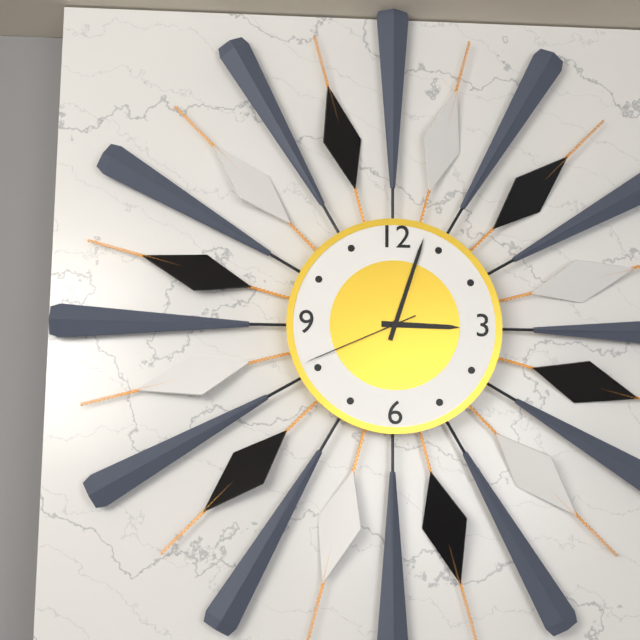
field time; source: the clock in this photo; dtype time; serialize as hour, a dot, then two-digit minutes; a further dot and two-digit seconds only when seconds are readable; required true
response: 3.03.41
